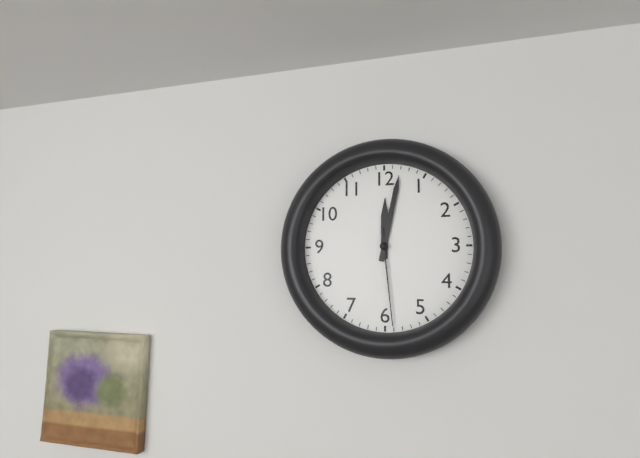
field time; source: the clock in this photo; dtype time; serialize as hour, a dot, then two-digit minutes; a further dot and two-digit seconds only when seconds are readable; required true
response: 12.02.29
